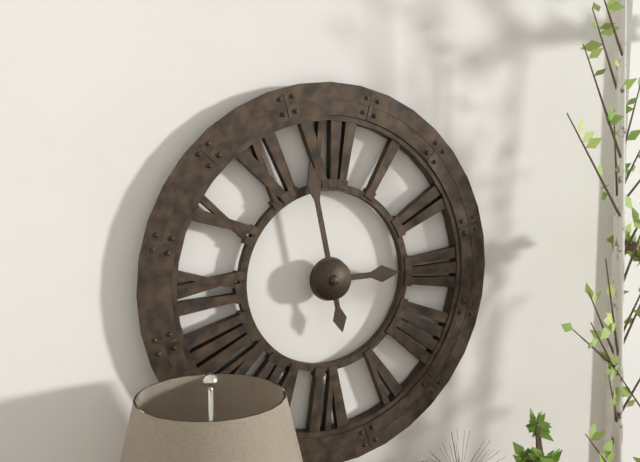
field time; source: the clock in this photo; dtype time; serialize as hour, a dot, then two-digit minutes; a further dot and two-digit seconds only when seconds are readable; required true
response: 2.58
